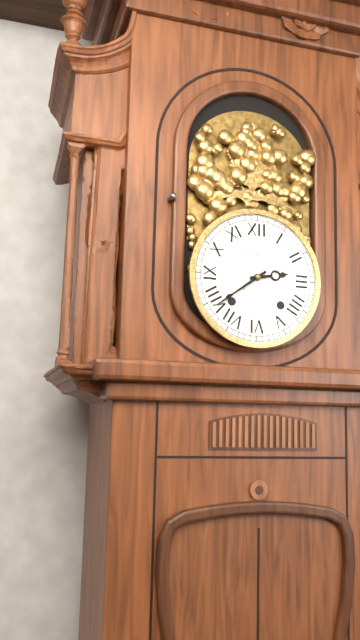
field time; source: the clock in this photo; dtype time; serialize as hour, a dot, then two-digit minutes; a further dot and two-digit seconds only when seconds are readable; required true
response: 2.39
